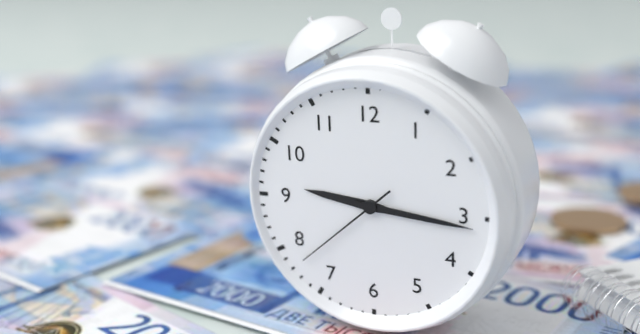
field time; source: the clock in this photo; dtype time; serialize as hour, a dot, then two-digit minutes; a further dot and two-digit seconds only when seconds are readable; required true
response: 9.16.38
